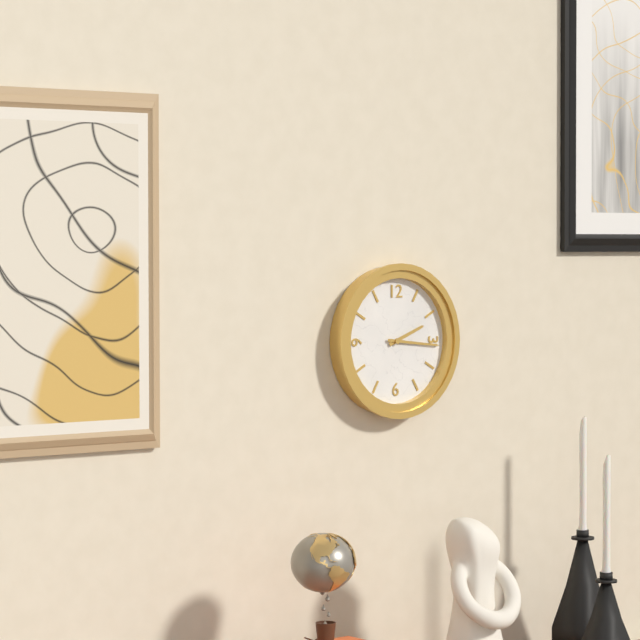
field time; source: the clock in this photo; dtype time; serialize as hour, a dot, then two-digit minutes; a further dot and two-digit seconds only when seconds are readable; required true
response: 2.16
